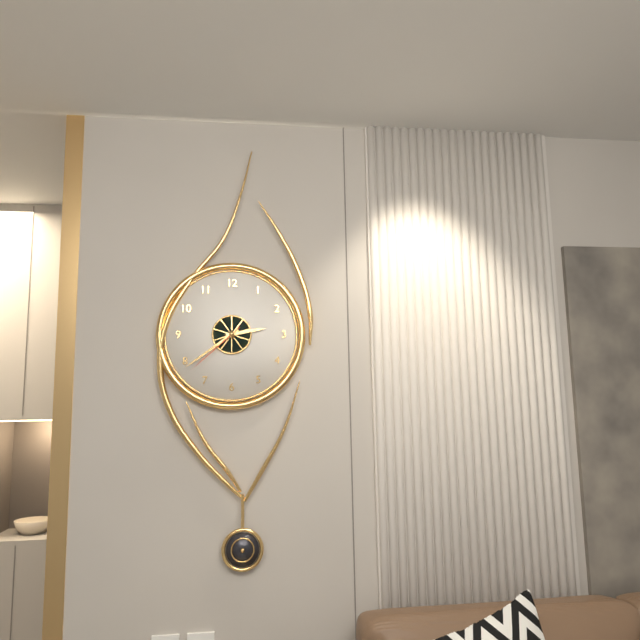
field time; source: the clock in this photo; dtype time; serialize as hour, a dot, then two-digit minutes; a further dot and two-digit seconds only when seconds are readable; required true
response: 2.39.38
